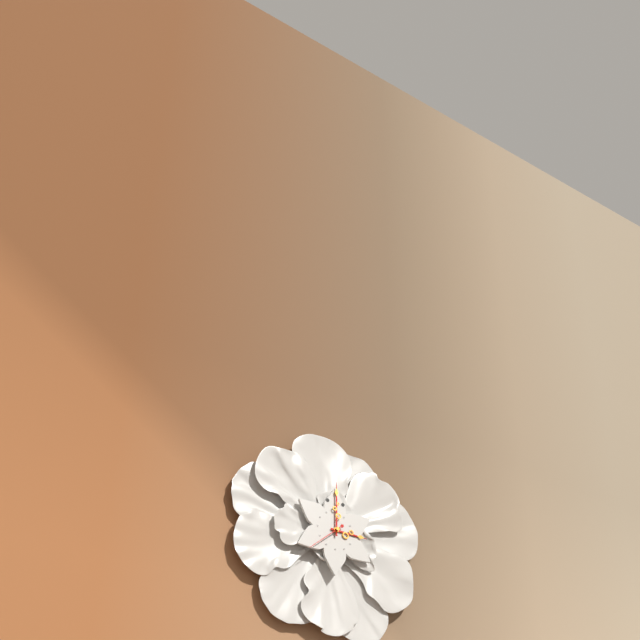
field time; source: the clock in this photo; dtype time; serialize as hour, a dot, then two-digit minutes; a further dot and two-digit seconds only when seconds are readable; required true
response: 3.00
